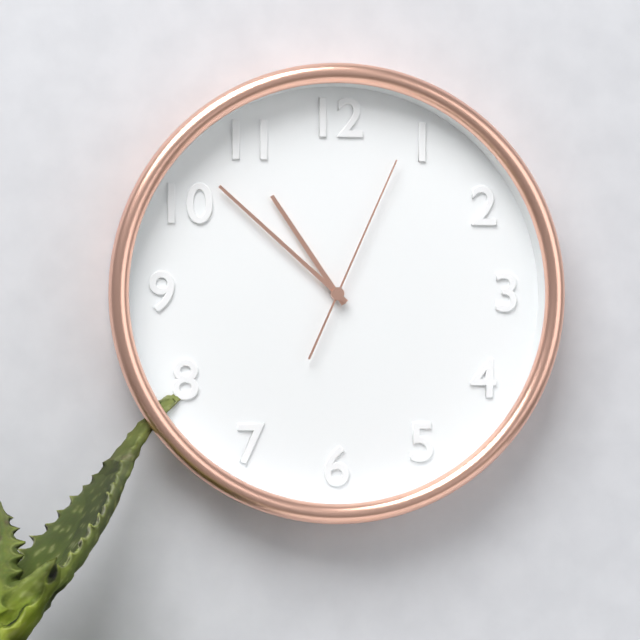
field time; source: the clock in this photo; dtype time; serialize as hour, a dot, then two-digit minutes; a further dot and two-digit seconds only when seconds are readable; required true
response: 10.52.04
